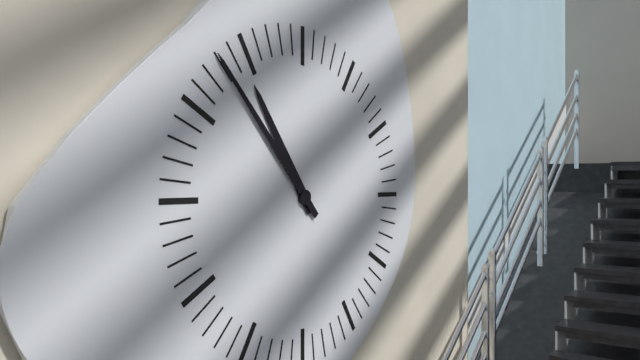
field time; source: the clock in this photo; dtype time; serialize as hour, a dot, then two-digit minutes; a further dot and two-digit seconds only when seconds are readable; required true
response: 10.53
